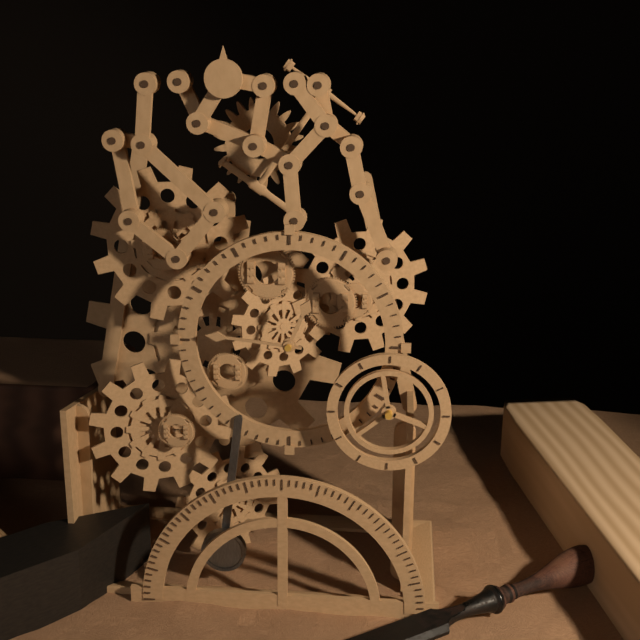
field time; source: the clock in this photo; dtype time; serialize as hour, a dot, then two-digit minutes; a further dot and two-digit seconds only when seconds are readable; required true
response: 12.46
